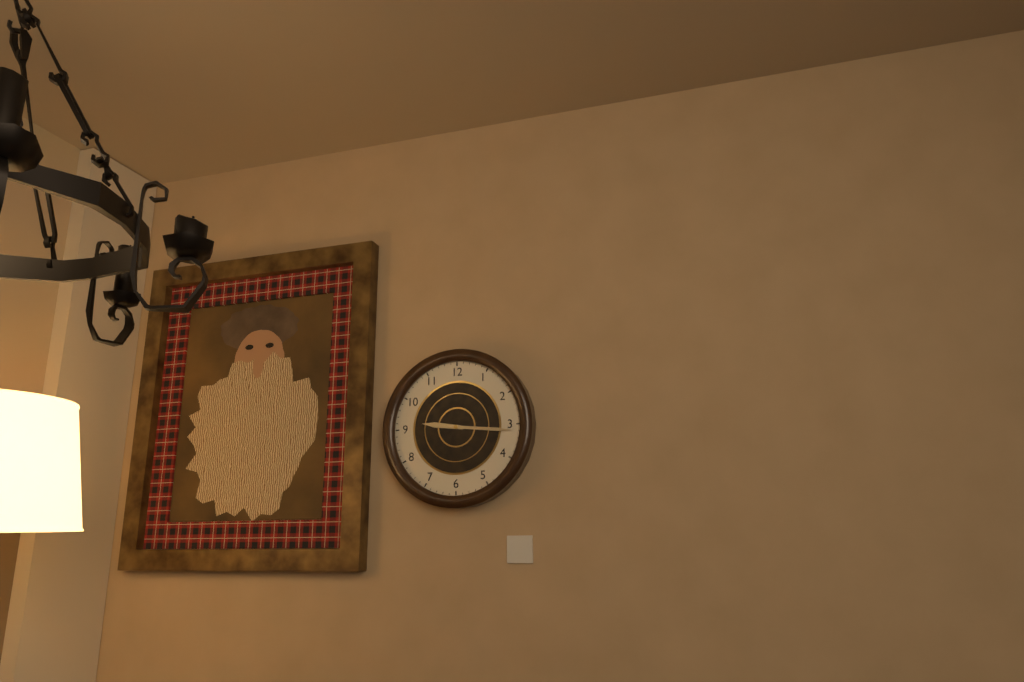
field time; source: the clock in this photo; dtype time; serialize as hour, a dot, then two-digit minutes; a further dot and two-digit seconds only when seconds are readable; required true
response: 9.16
